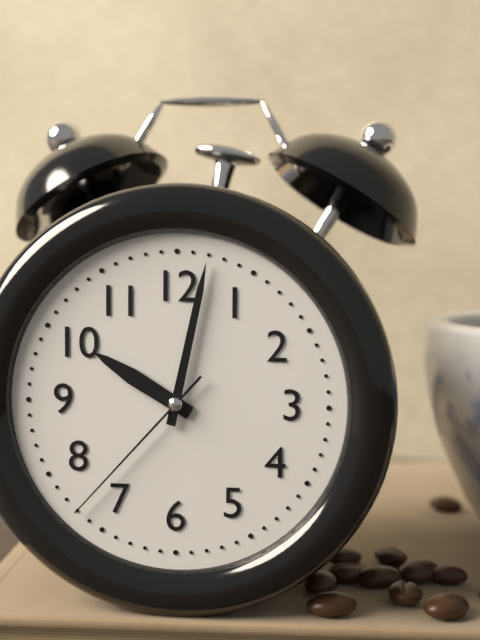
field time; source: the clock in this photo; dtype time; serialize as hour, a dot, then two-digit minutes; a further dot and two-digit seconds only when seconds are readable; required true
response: 10.02.37
